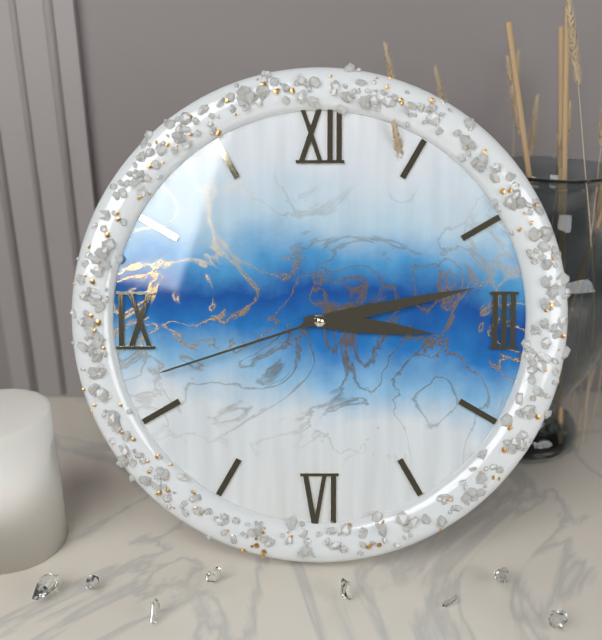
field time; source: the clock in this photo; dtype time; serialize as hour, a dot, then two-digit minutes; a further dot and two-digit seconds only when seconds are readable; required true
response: 3.13.42
